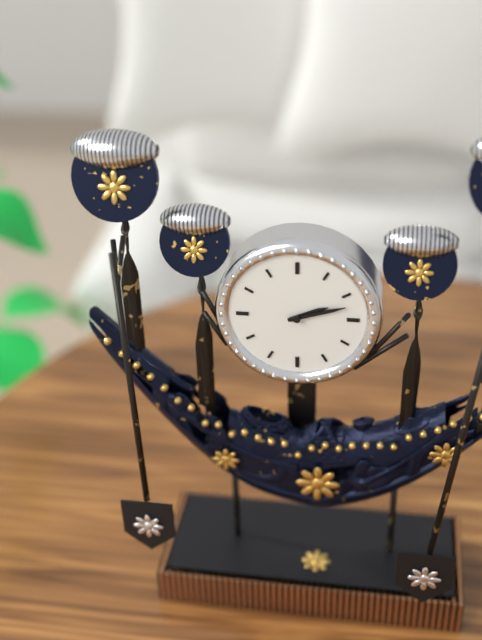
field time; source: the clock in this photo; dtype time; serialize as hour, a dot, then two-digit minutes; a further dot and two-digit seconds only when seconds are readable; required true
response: 2.12
